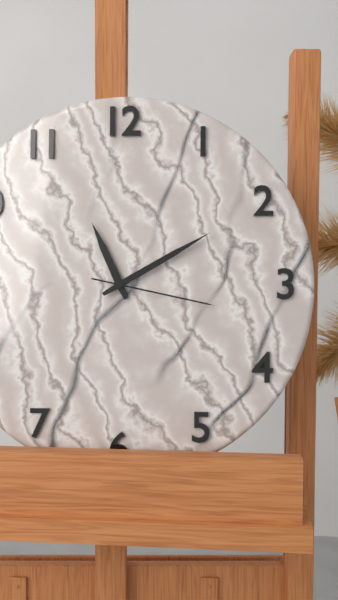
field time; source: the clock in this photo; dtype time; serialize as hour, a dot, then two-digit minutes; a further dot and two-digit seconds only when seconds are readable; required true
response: 11.10.17
